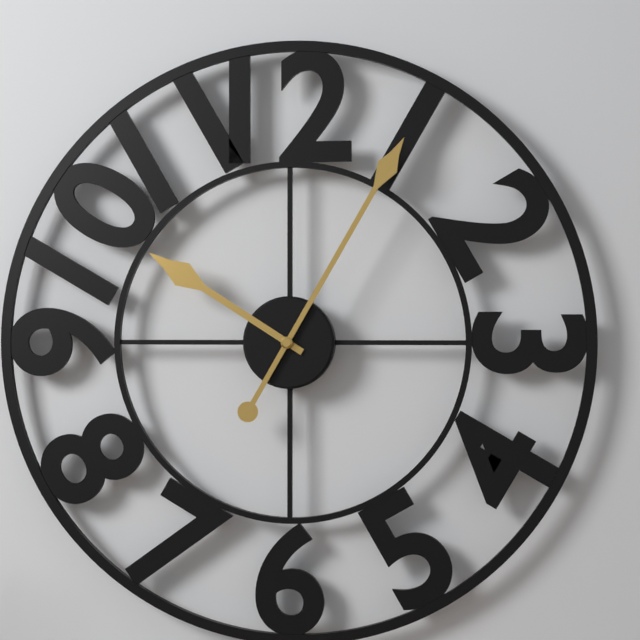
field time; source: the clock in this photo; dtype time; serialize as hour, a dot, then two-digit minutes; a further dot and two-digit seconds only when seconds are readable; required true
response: 10.05
